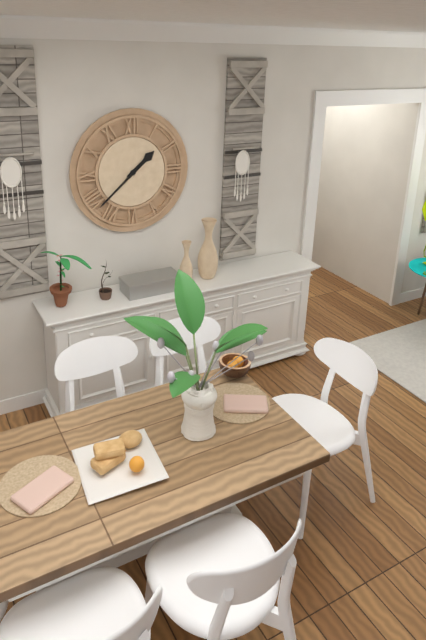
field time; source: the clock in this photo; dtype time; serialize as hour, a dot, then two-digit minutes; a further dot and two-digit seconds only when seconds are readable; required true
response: 1.38
